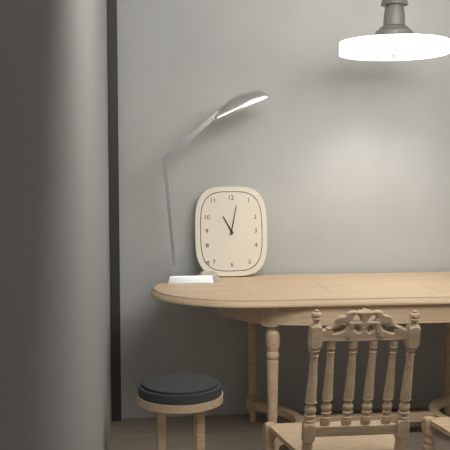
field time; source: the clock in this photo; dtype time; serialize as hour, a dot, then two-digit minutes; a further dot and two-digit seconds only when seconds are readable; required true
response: 11.02
